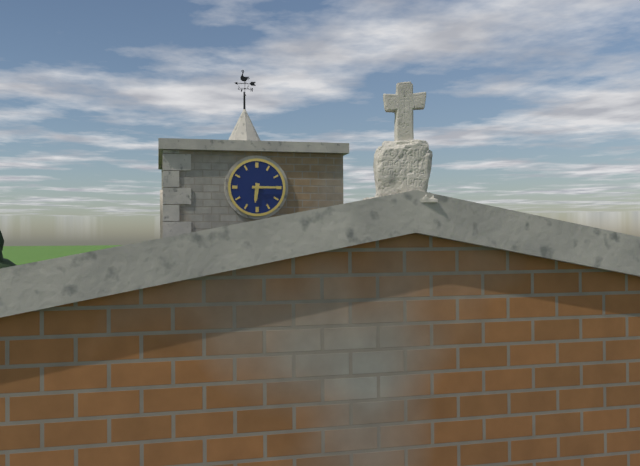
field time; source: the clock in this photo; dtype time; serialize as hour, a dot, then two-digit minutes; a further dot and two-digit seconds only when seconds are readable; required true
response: 6.15
